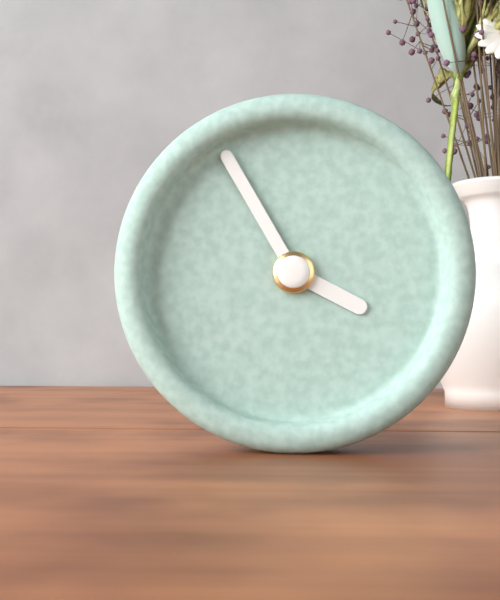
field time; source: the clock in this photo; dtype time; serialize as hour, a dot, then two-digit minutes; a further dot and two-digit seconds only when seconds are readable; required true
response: 3.55
